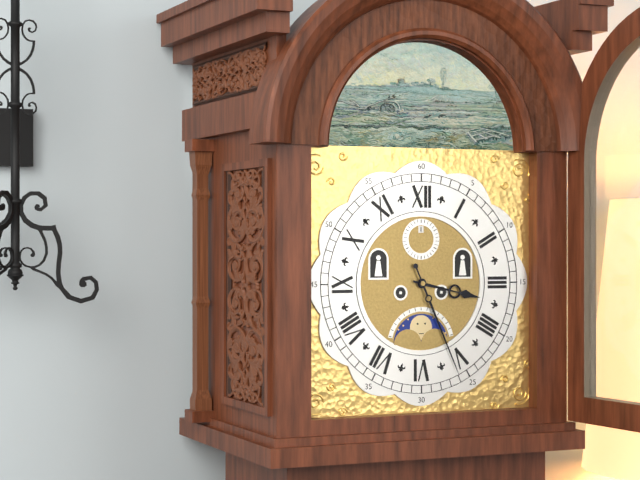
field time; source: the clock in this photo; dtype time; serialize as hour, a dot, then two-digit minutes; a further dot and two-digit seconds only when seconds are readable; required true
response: 3.26
